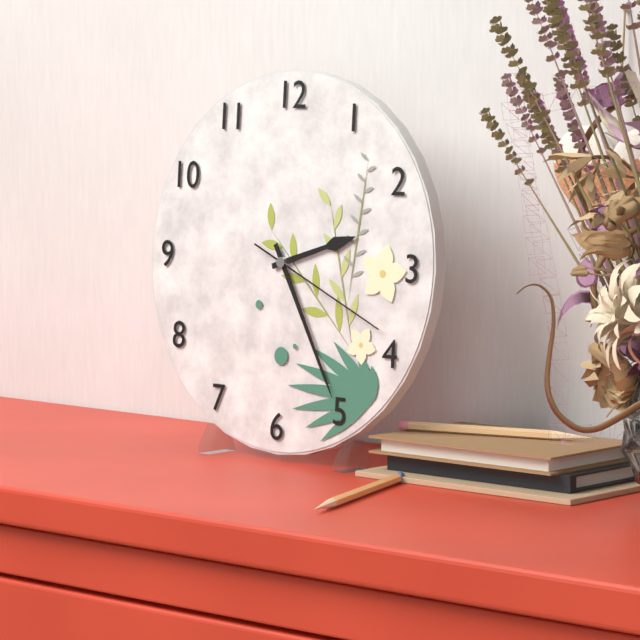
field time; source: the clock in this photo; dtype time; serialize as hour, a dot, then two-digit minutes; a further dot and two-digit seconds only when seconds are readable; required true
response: 2.25.19
